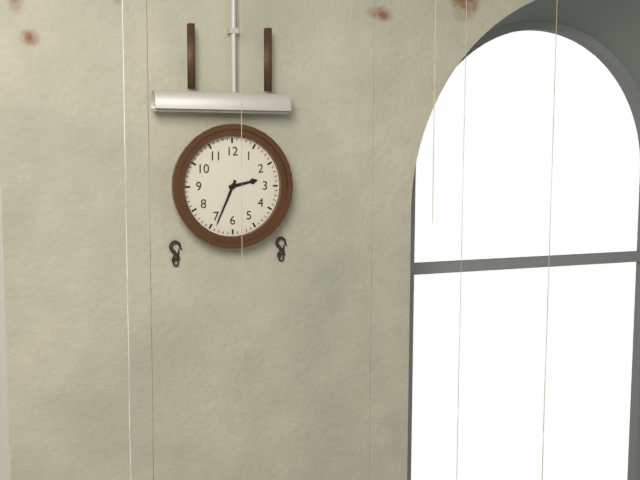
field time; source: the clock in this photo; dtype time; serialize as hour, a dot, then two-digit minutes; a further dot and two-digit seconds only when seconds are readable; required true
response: 2.34
